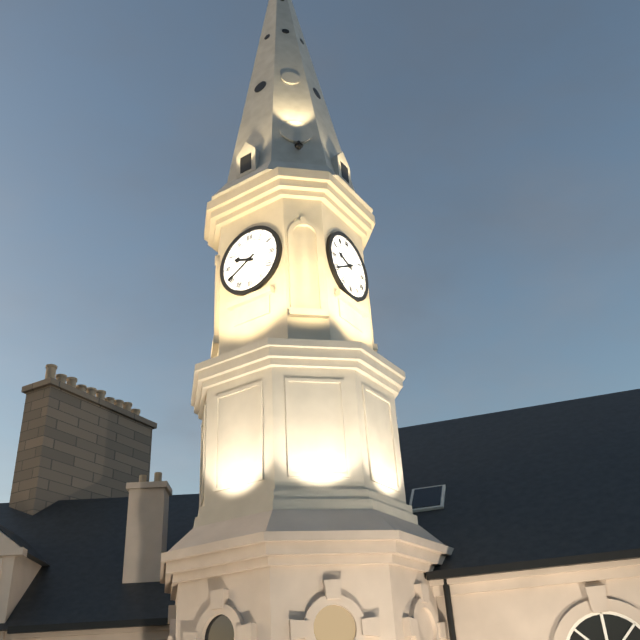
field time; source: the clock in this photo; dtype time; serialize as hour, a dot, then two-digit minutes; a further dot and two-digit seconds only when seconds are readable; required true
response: 9.40
